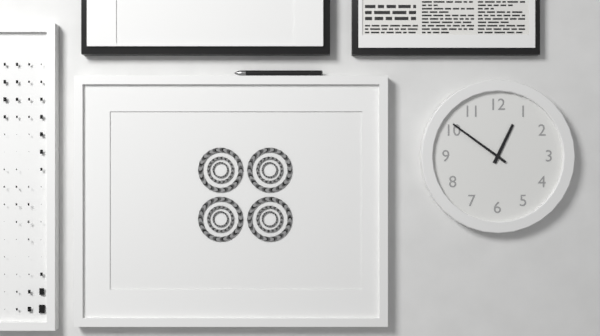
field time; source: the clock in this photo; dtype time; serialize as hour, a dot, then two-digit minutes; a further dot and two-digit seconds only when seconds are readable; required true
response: 12.51
